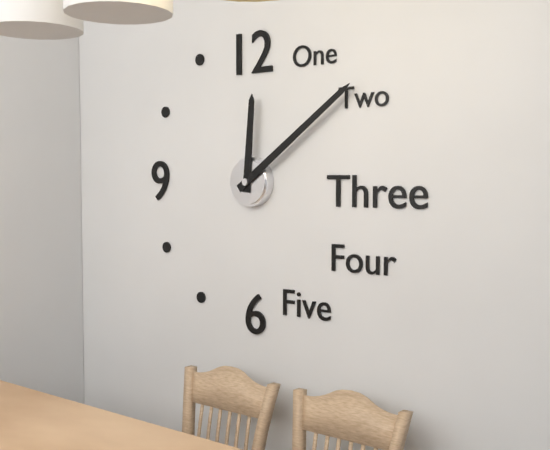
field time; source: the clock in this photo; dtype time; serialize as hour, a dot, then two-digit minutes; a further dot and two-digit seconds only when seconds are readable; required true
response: 12.09
